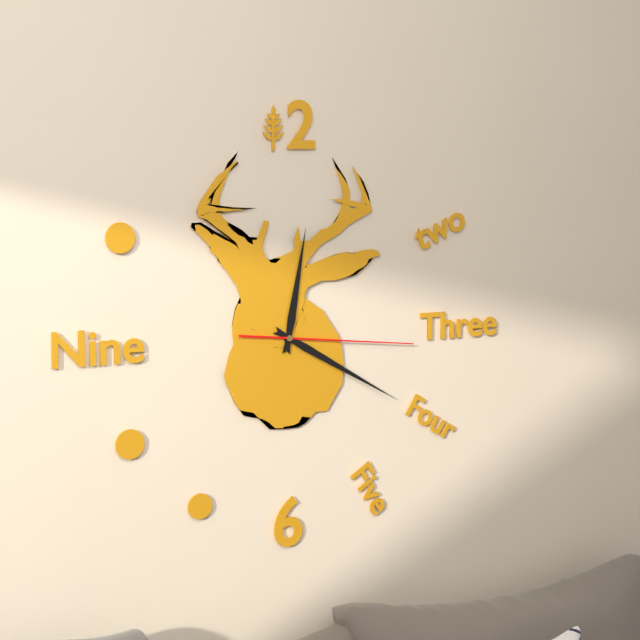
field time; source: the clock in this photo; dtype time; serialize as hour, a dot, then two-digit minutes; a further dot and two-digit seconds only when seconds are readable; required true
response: 12.20.16
